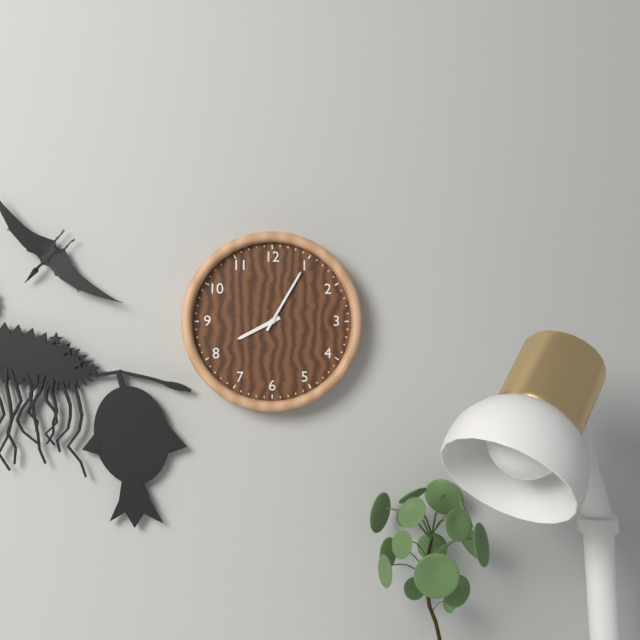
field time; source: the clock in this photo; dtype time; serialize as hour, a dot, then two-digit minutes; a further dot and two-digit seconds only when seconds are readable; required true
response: 8.05
